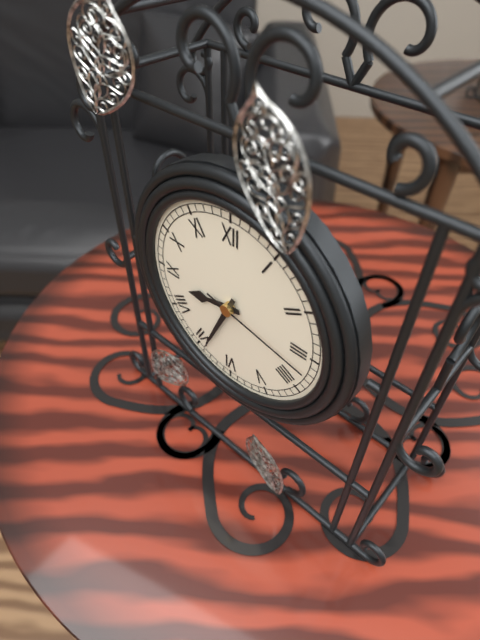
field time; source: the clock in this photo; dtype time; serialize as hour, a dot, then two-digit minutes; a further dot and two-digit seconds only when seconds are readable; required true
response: 8.34.17
